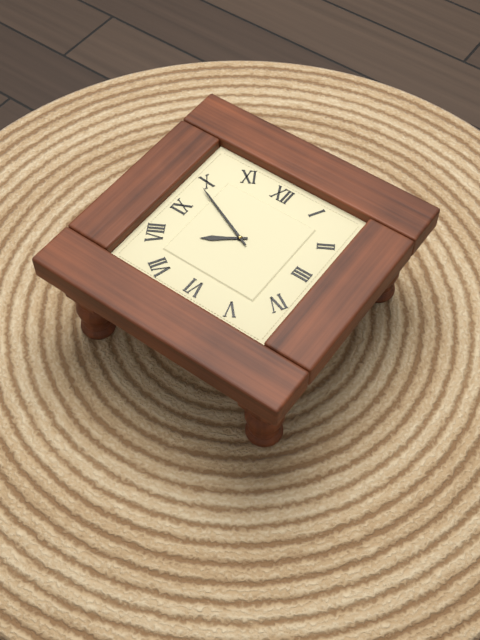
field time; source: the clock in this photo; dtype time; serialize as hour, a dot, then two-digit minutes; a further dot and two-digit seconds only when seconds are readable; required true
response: 7.49
